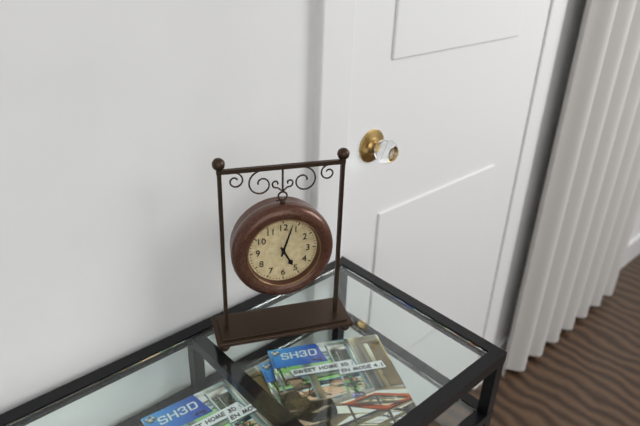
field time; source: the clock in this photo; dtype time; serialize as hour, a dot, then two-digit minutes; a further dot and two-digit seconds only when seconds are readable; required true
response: 5.03
